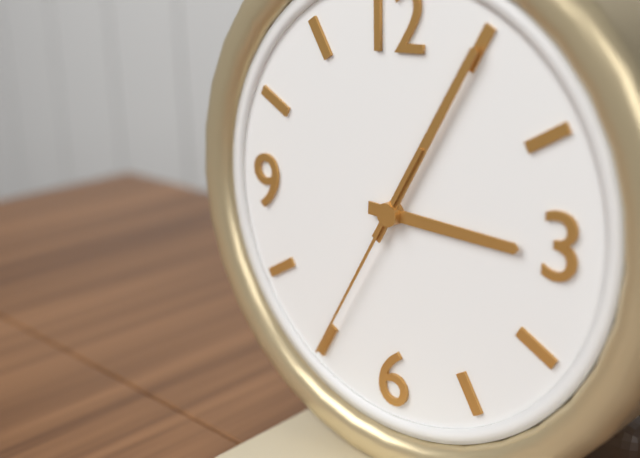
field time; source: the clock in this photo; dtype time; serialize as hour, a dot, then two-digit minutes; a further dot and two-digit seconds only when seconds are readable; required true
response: 3.05.35
